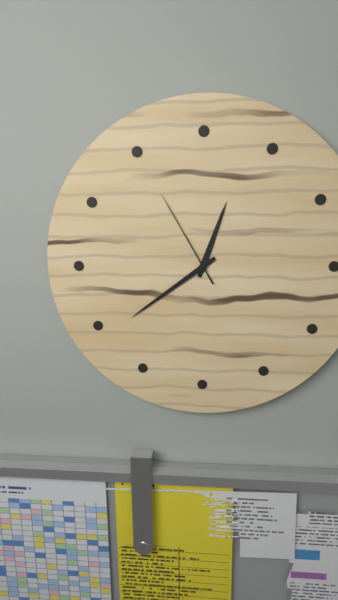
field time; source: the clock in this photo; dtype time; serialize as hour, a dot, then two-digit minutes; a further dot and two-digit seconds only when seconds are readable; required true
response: 12.39.55
